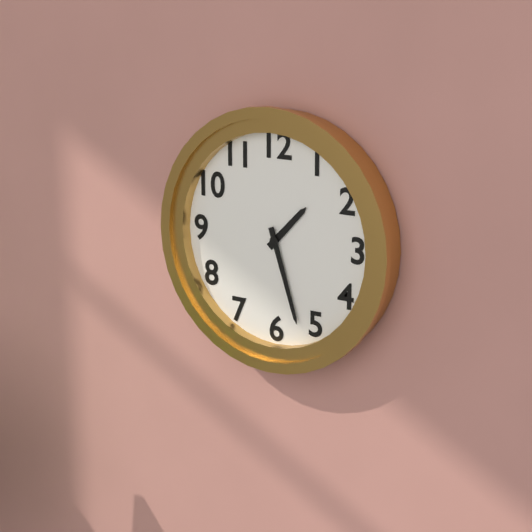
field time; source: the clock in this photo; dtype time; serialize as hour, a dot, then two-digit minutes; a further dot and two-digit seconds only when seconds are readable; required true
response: 1.27
